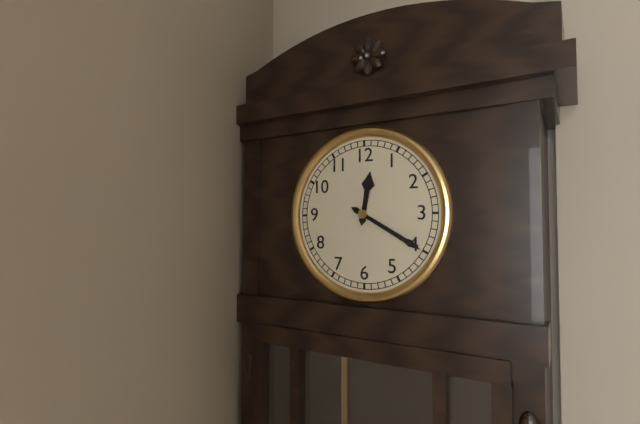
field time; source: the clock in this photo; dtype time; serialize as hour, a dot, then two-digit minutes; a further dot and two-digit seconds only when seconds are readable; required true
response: 12.20
